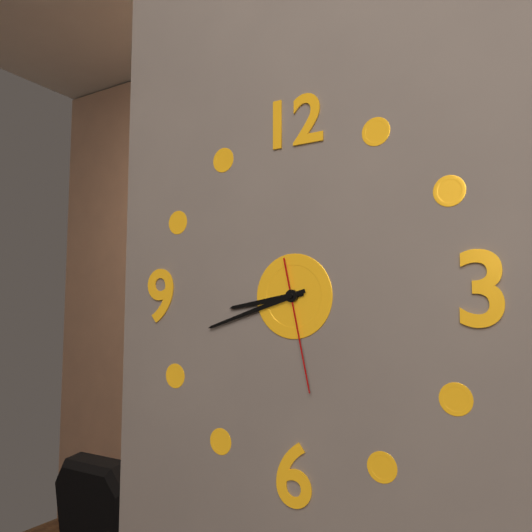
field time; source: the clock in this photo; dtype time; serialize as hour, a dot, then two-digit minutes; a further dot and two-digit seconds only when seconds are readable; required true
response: 8.42.28
